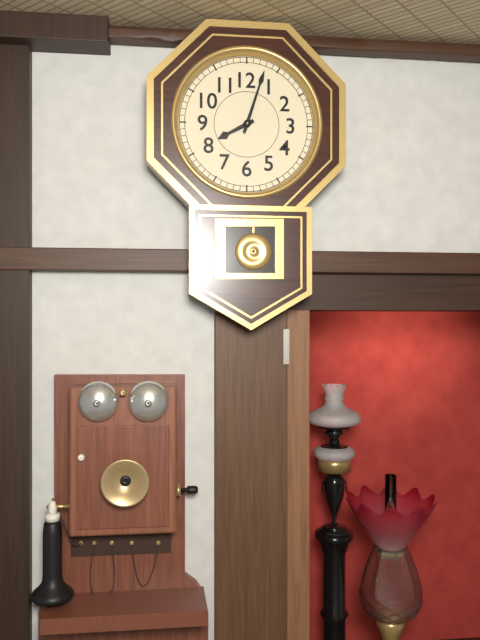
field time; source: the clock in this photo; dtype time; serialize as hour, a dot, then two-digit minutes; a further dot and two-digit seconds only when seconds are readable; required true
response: 8.03
